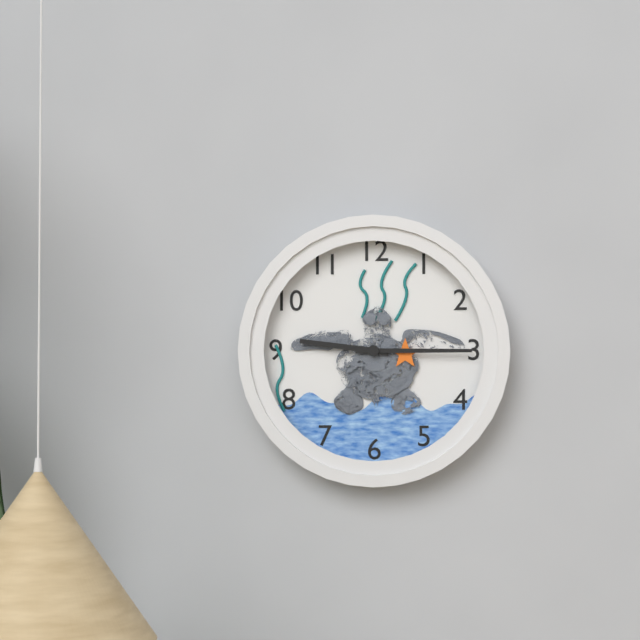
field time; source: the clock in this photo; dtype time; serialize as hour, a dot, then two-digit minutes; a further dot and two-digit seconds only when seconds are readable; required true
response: 9.15
